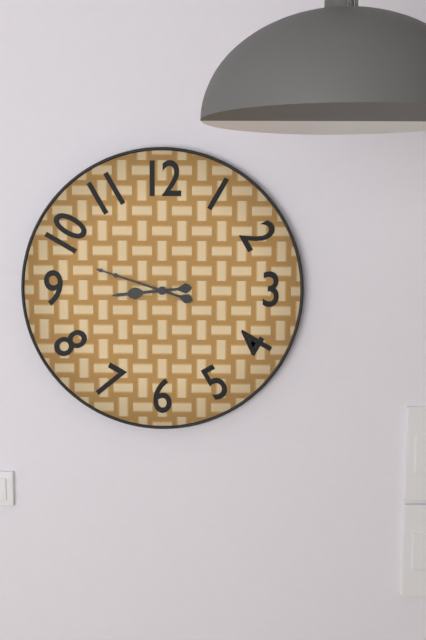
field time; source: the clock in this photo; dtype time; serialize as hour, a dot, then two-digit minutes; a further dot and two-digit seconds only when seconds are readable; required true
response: 8.48
